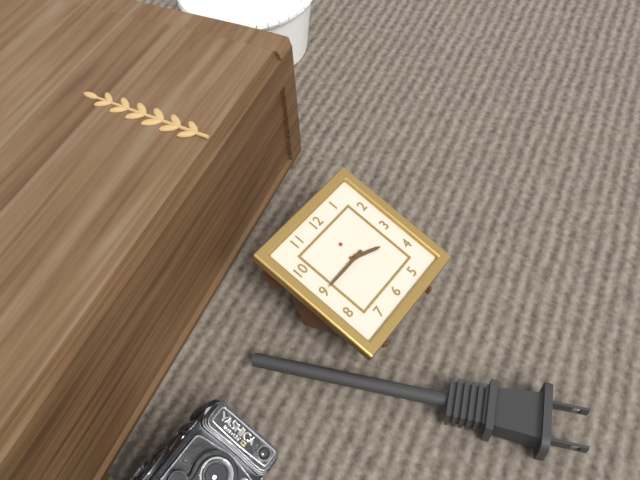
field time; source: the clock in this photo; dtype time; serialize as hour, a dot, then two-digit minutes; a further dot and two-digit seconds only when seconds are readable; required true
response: 3.45
